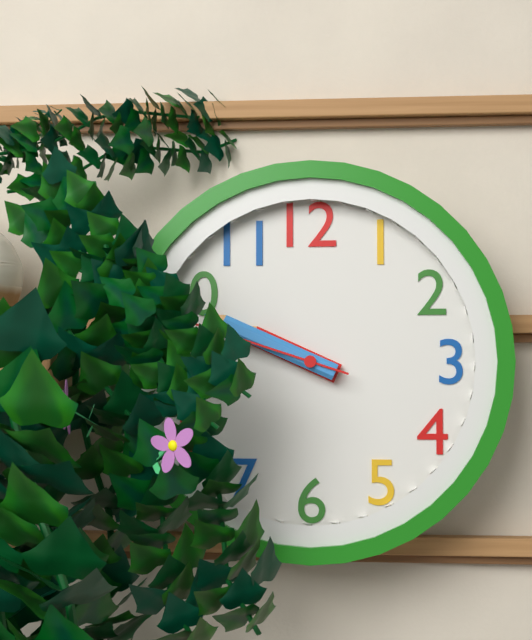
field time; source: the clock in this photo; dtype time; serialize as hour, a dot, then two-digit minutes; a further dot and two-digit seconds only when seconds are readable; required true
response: 9.49
